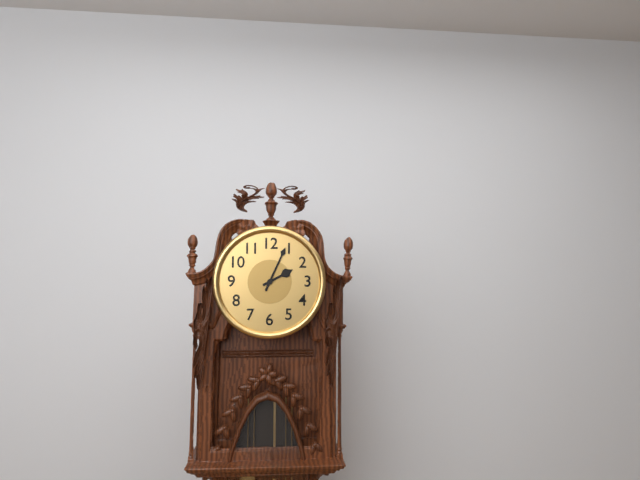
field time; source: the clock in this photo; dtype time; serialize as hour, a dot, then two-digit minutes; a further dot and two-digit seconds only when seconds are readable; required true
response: 2.04
